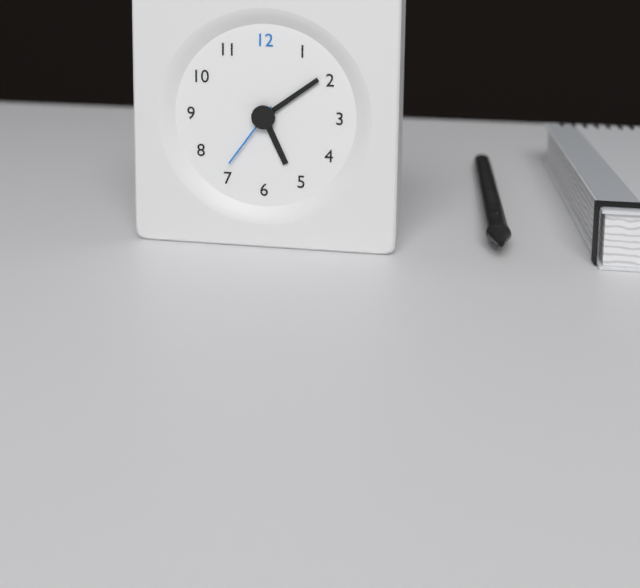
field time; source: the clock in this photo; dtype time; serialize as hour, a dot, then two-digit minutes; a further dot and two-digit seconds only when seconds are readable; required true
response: 5.09.36
